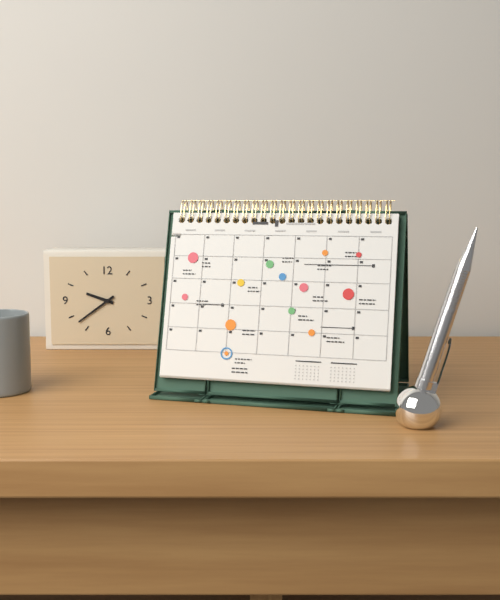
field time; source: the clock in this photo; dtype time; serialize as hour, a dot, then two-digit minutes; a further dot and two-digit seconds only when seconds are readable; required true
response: 9.39
